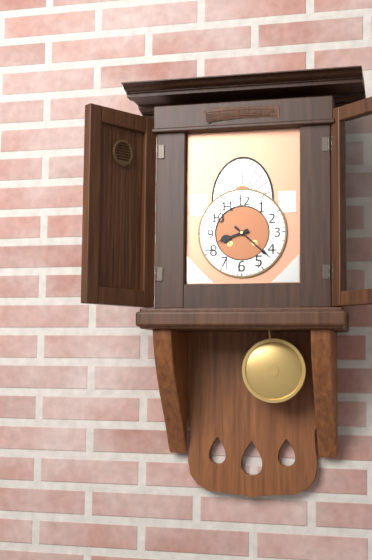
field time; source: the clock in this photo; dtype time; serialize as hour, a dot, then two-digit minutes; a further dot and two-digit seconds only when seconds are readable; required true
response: 8.22
